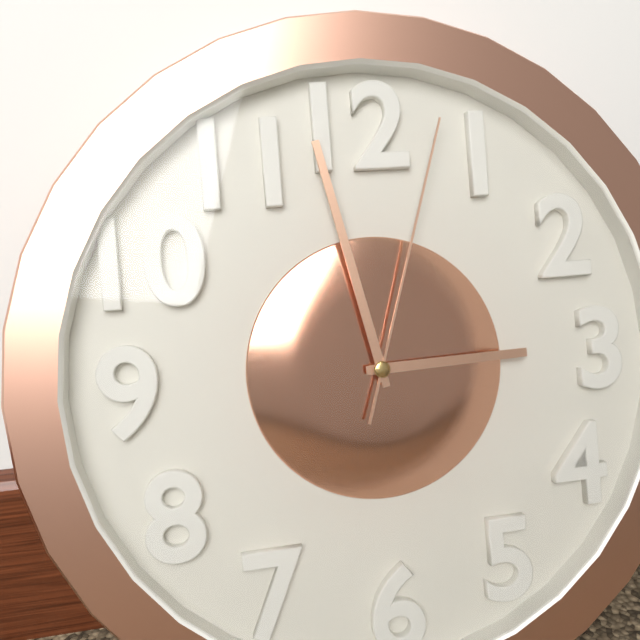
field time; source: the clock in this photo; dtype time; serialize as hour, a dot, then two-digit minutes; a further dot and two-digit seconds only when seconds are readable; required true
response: 2.58.03
